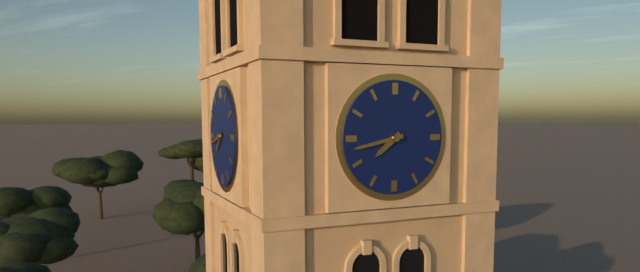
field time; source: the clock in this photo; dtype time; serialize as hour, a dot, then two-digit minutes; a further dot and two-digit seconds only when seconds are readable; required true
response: 7.43
